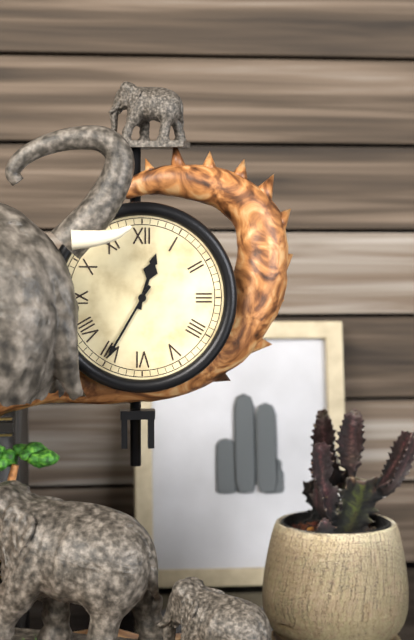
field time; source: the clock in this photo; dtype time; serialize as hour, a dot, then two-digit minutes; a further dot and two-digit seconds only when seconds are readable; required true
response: 12.35
